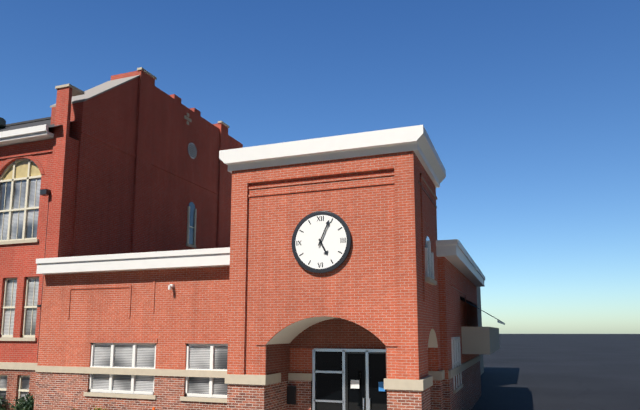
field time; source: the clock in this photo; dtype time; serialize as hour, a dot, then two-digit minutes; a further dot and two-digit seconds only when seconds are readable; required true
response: 5.04
